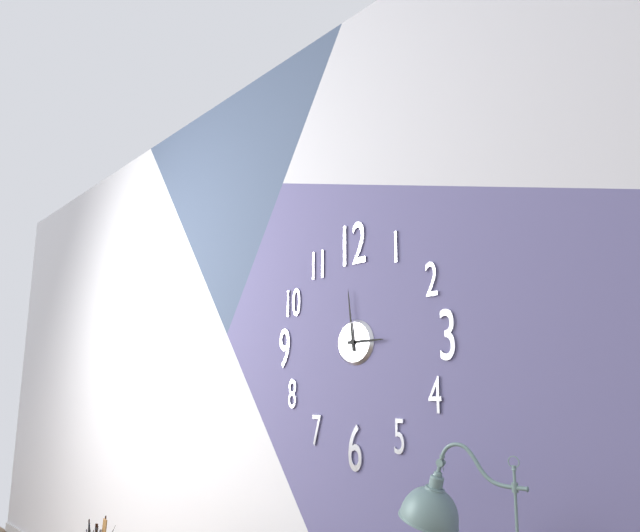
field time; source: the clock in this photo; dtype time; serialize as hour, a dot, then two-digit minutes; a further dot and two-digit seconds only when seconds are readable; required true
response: 2.59
